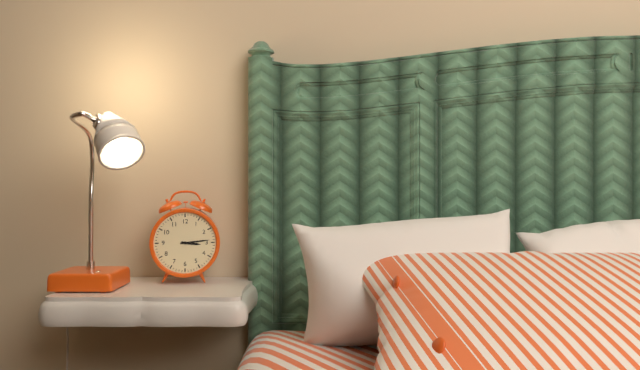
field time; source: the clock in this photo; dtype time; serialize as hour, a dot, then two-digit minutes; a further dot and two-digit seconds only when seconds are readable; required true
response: 3.14
